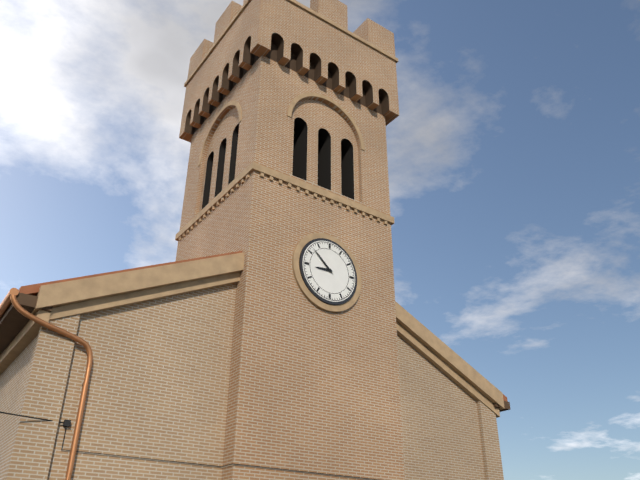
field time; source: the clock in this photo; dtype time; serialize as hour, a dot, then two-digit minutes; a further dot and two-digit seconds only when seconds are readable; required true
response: 8.52
